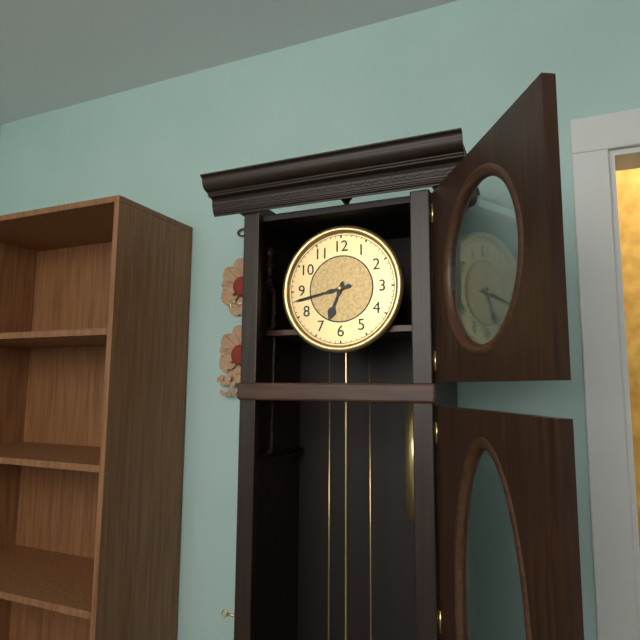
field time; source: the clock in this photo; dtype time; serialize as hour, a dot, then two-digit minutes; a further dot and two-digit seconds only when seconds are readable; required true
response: 6.43
